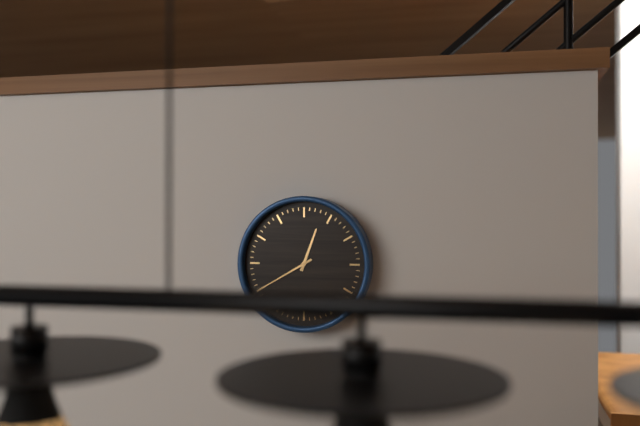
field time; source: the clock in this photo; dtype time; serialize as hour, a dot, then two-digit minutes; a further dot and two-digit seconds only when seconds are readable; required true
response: 12.40
